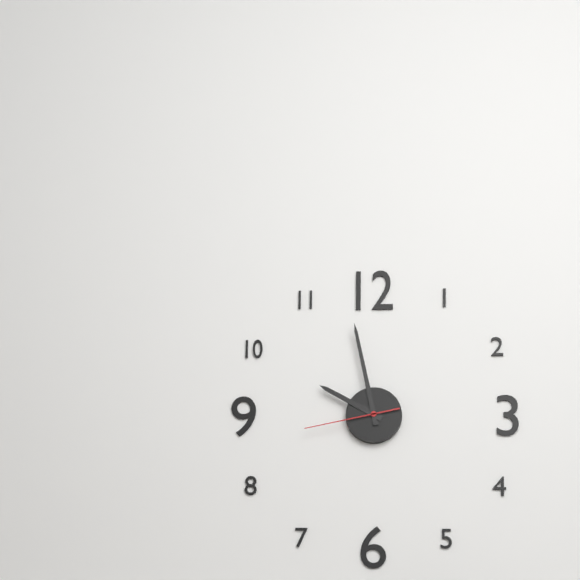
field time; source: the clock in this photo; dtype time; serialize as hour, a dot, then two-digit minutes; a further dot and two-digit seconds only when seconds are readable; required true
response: 9.58.43
